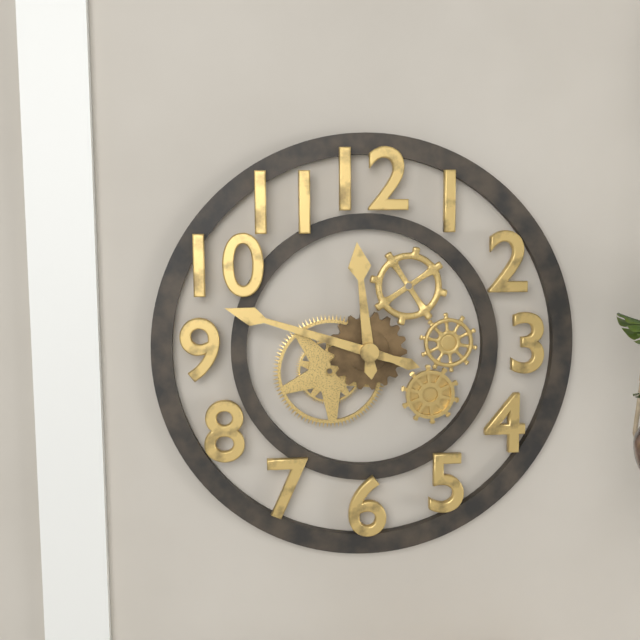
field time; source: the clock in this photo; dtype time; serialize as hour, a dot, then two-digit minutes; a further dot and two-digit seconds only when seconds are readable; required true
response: 11.48
